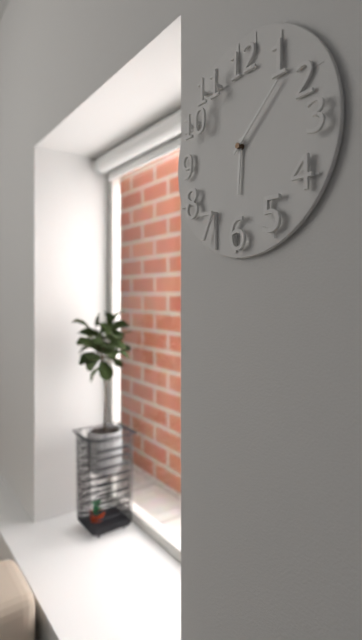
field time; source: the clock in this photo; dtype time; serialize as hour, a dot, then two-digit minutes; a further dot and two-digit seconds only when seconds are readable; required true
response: 6.08
